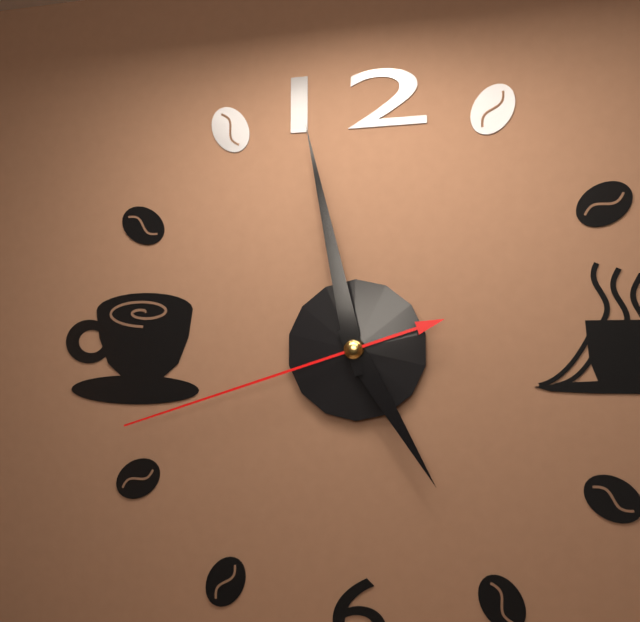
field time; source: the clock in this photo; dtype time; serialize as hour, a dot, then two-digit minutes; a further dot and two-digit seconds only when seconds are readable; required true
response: 4.58.42
